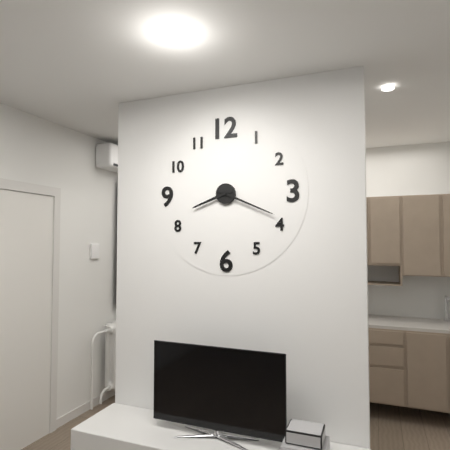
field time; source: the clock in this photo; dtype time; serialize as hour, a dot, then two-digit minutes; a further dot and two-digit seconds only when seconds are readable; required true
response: 8.19
